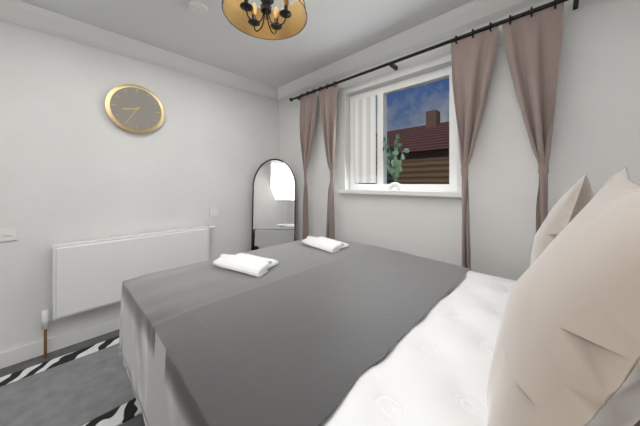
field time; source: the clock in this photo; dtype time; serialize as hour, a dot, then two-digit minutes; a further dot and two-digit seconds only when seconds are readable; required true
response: 8.35
